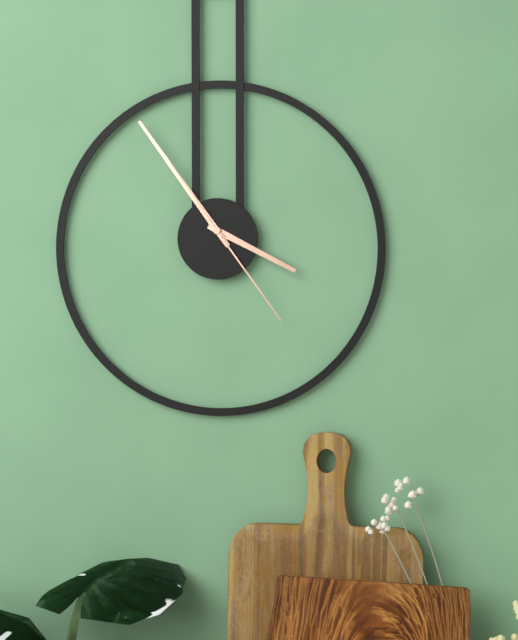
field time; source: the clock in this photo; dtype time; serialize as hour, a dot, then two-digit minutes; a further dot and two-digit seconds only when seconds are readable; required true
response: 3.54.24
